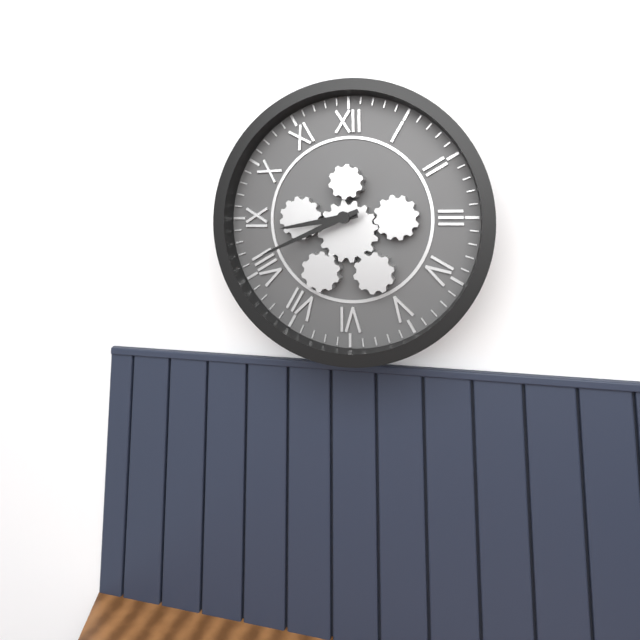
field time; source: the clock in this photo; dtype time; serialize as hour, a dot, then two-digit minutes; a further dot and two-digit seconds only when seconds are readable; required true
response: 8.41
